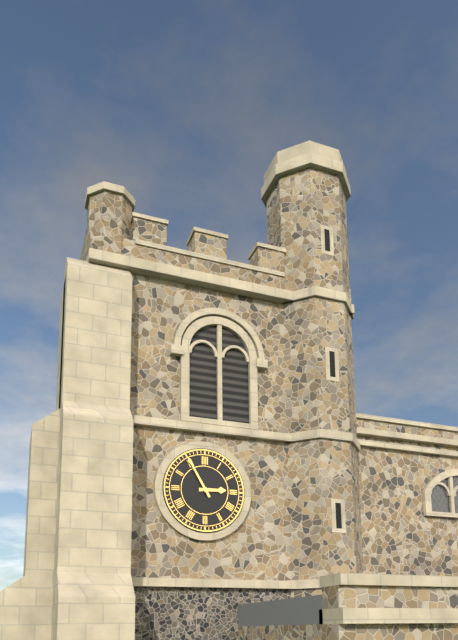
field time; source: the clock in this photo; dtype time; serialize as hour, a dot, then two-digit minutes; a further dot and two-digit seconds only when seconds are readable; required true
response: 2.55
